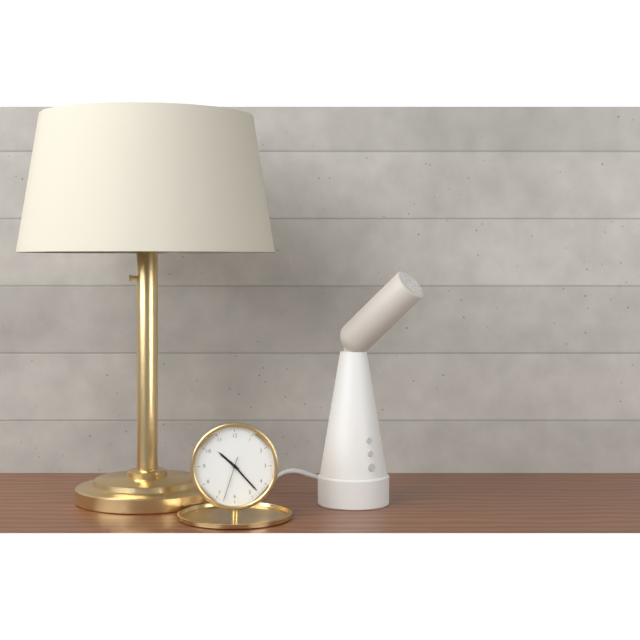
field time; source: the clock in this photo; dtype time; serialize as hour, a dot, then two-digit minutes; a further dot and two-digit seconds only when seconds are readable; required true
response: 10.23
